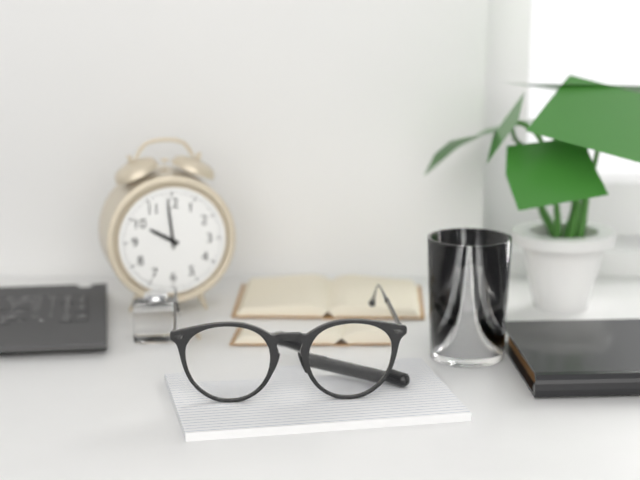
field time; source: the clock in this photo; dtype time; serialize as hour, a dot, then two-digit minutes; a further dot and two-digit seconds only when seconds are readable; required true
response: 9.59
